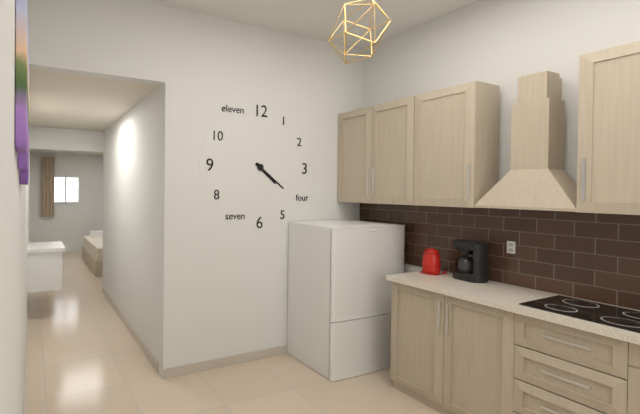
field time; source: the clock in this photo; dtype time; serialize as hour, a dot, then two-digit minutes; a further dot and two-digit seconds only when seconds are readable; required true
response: 4.21
